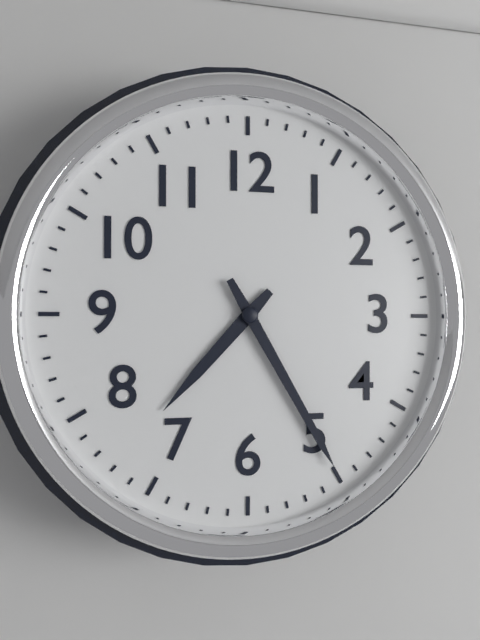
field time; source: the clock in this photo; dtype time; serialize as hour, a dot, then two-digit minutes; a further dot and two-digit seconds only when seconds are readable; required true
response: 7.25
